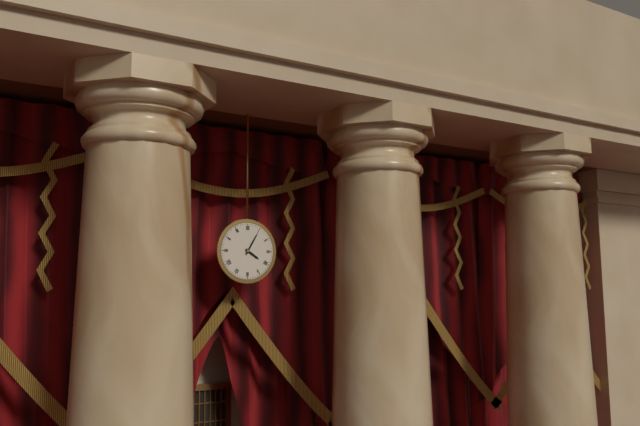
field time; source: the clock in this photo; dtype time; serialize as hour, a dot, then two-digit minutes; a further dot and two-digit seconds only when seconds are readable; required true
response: 4.05
